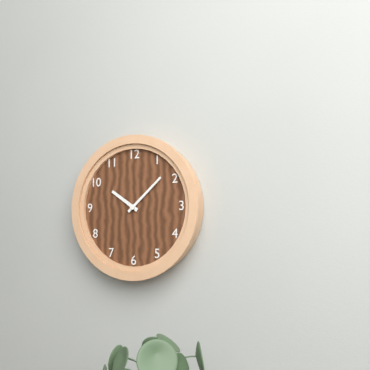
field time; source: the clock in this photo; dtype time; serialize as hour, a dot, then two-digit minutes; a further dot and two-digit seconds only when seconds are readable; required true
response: 10.08
